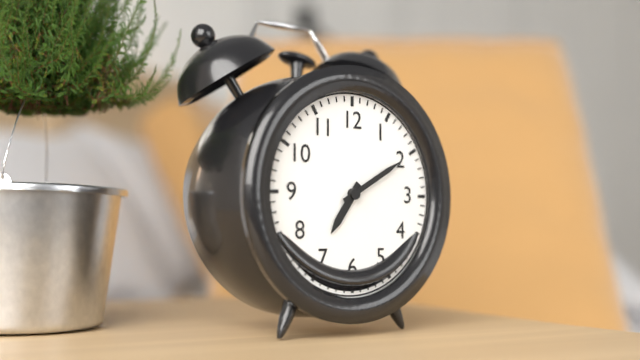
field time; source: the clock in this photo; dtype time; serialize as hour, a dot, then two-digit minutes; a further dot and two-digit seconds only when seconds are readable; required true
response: 7.10
